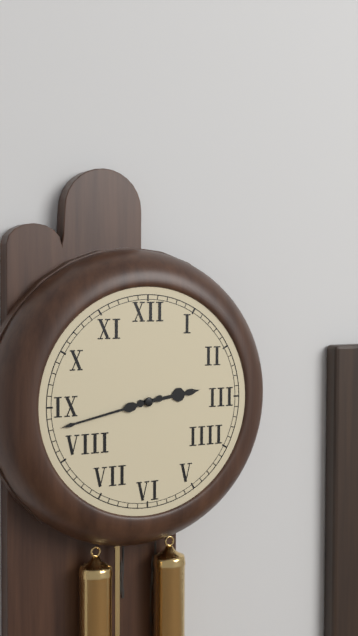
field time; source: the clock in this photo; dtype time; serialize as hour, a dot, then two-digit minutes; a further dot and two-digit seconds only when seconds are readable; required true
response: 2.43
